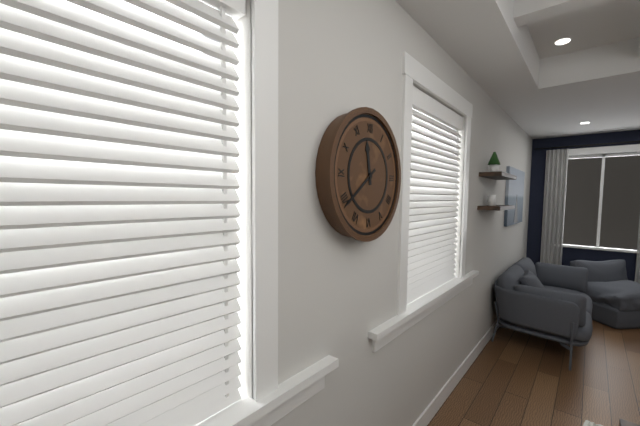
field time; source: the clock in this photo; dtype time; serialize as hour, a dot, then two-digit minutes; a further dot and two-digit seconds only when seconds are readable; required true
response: 11.39
